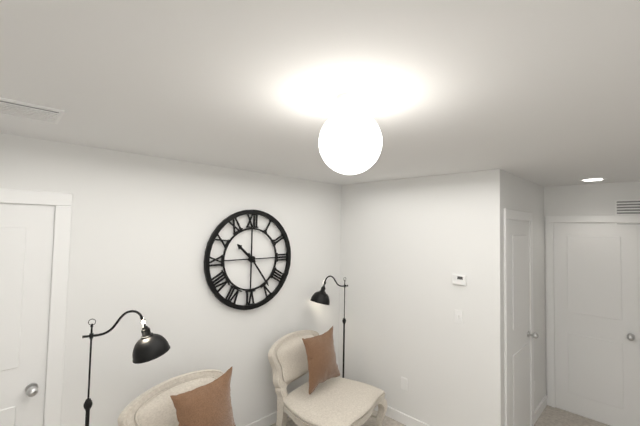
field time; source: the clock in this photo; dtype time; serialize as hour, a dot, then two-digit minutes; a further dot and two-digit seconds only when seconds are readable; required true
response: 10.24
